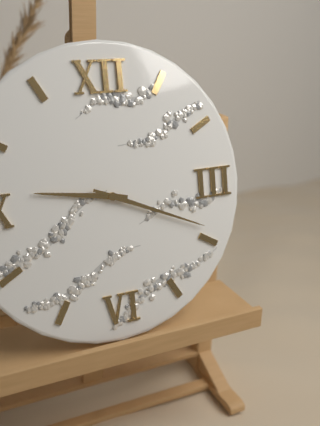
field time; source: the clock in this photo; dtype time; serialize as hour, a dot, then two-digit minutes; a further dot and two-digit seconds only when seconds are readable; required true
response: 9.19
